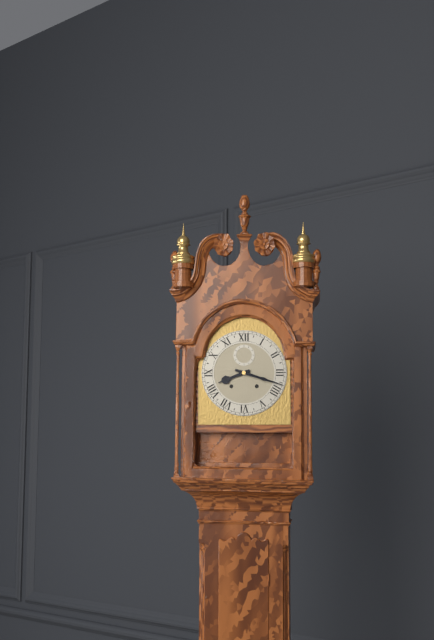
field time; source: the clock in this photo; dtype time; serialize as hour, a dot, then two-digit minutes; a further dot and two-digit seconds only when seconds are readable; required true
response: 8.18
